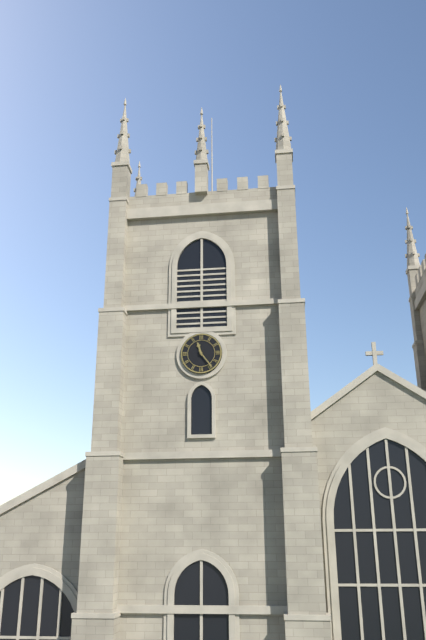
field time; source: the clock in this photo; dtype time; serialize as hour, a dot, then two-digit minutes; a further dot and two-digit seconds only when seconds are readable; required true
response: 11.24
